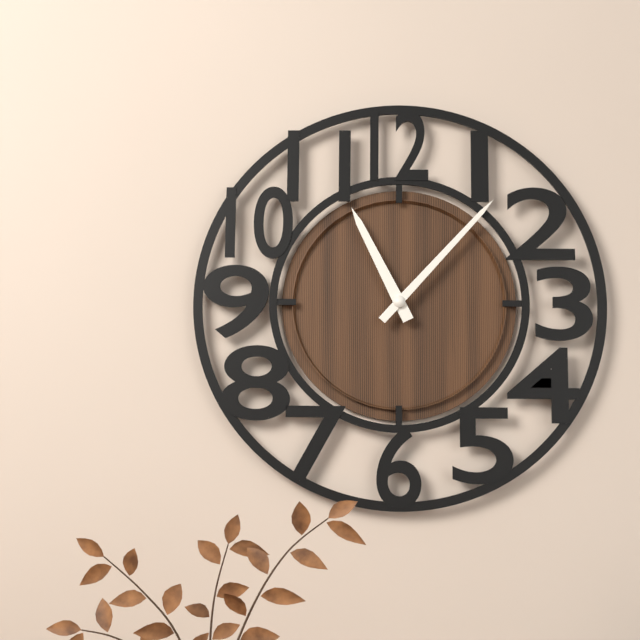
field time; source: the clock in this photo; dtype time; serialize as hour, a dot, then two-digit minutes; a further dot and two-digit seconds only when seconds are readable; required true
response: 11.07
